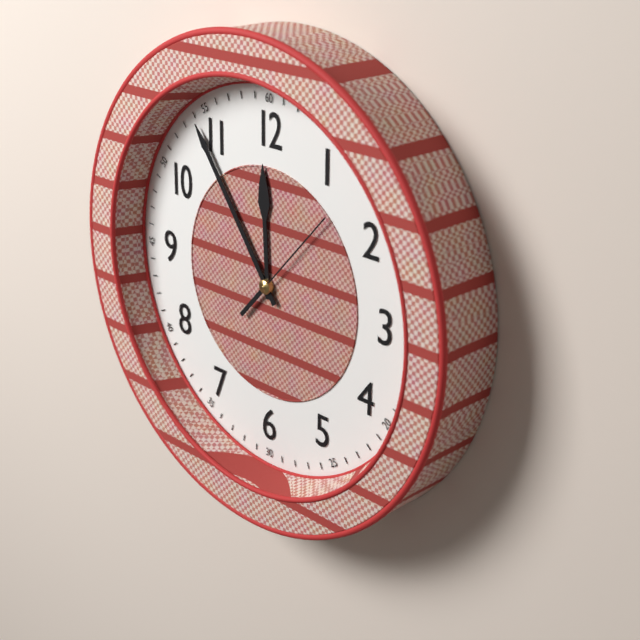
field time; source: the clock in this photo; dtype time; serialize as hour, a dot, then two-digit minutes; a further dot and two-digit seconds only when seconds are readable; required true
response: 11.54.07
